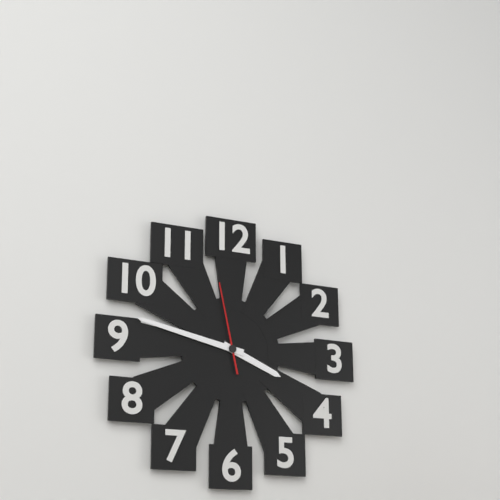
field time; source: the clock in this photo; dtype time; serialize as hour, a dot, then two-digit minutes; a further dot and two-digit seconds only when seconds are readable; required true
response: 3.47.58
